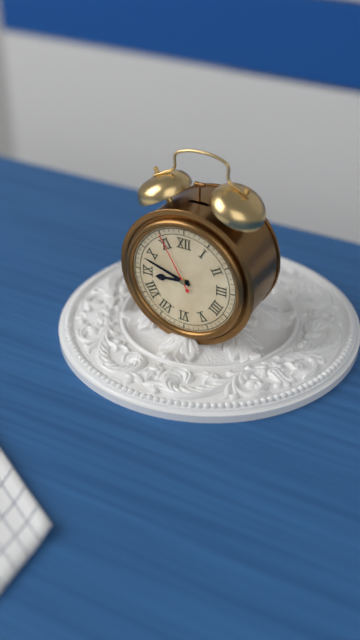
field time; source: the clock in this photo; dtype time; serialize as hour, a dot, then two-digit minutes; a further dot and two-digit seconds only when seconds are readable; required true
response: 8.48.55
